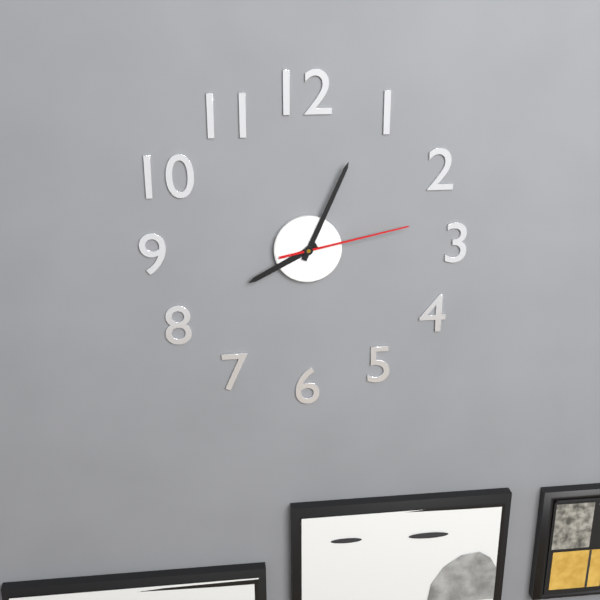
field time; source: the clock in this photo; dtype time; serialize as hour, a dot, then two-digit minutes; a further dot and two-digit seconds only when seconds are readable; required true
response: 8.04.13
